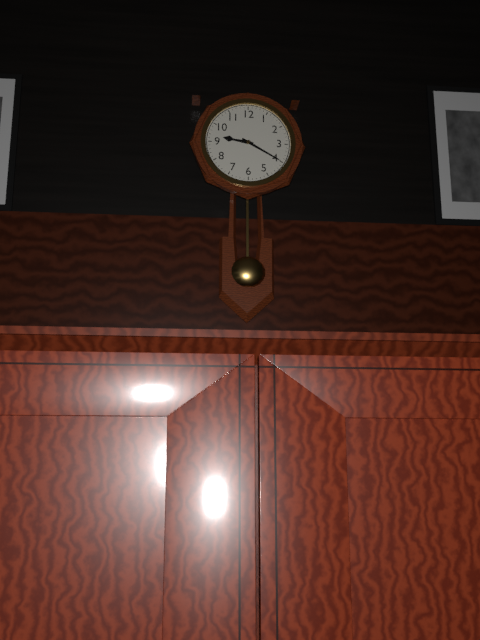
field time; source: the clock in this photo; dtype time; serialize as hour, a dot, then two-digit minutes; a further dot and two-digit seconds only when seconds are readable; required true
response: 9.20
